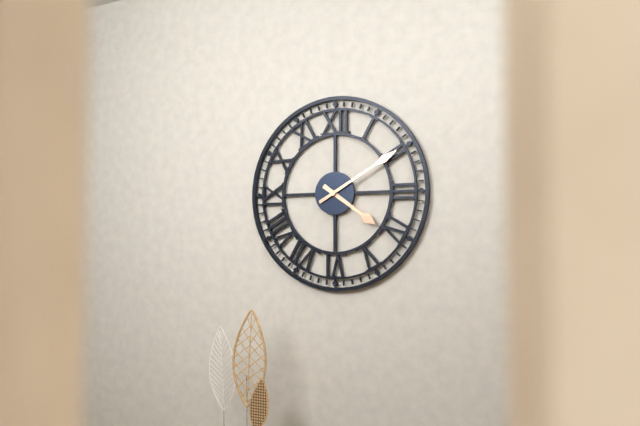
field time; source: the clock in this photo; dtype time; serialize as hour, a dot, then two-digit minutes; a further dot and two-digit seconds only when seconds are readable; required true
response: 4.10
